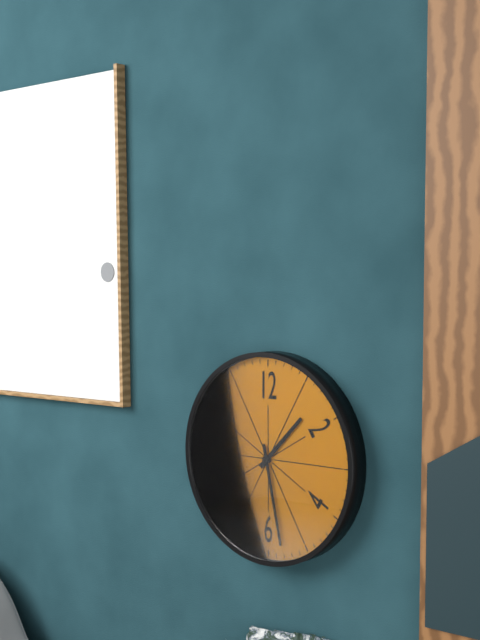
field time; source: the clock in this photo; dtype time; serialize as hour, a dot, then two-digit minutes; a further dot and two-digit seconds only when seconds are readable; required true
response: 1.28
